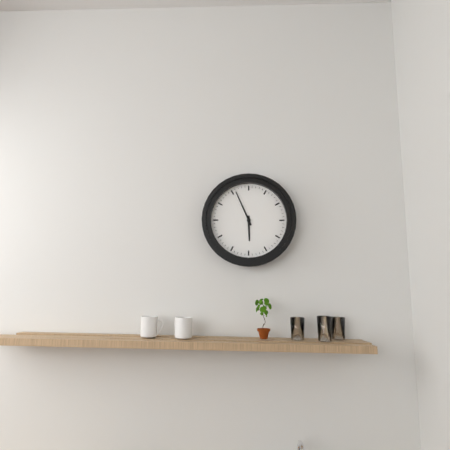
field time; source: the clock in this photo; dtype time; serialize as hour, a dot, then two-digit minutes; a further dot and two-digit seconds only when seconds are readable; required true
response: 5.56
